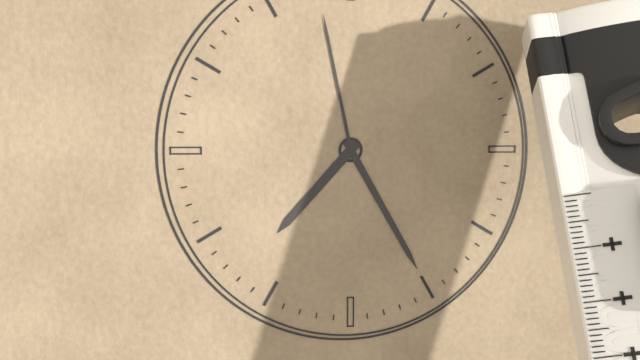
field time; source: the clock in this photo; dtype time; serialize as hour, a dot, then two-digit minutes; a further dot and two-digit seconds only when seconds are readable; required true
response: 7.25.58
